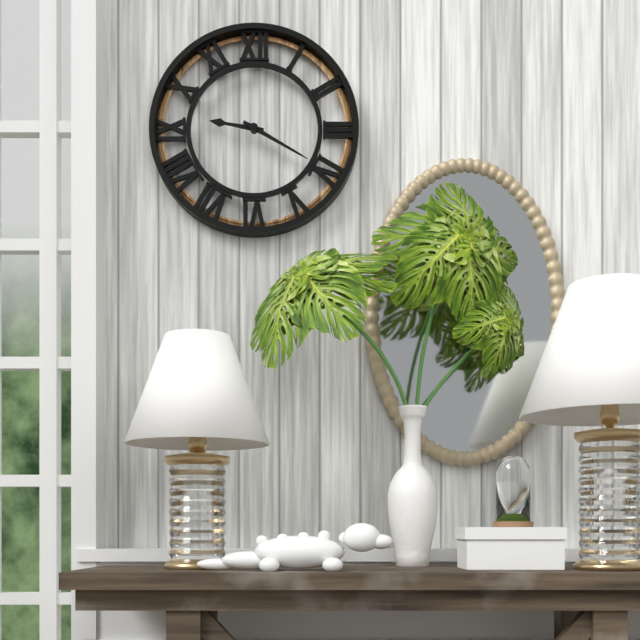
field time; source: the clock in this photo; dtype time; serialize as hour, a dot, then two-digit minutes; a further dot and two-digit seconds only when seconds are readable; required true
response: 9.20
